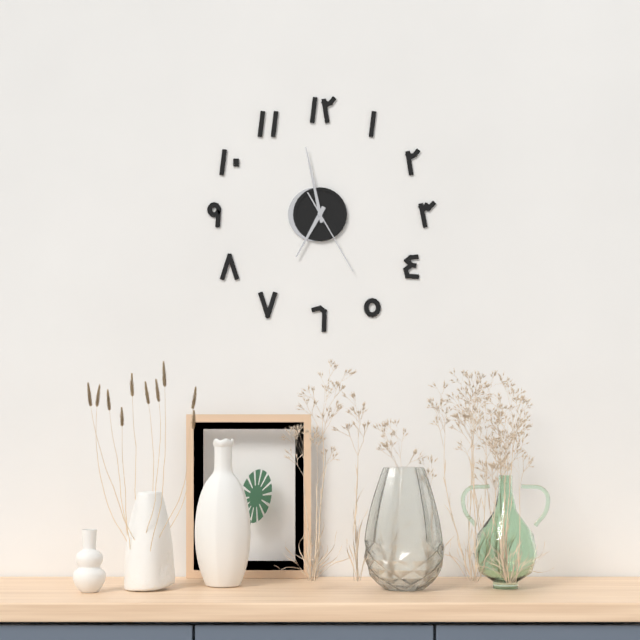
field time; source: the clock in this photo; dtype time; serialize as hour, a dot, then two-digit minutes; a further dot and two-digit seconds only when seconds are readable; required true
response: 6.58.25
